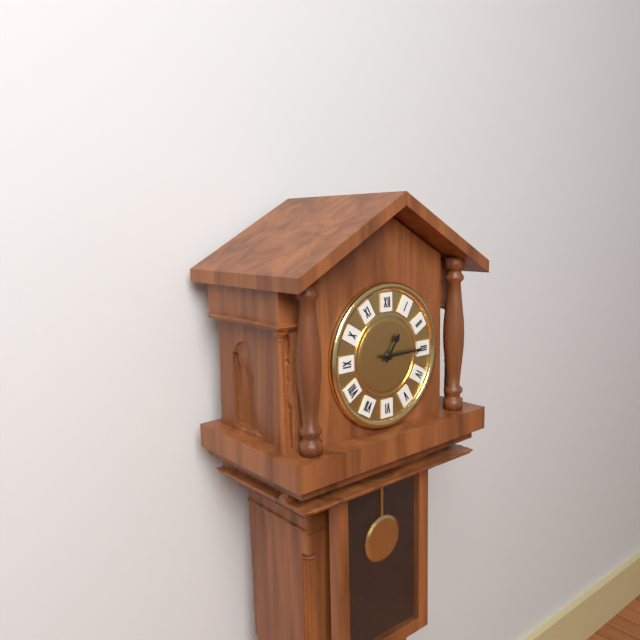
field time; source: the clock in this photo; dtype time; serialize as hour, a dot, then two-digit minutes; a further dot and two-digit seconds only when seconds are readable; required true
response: 1.15
